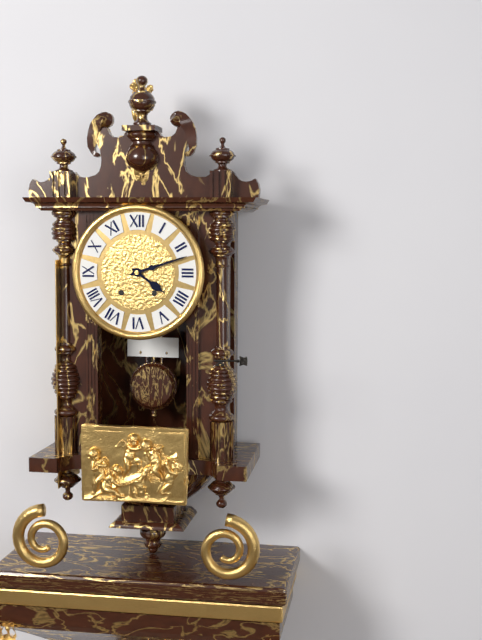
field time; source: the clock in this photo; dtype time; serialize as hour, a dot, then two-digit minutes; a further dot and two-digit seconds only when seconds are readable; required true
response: 4.12
